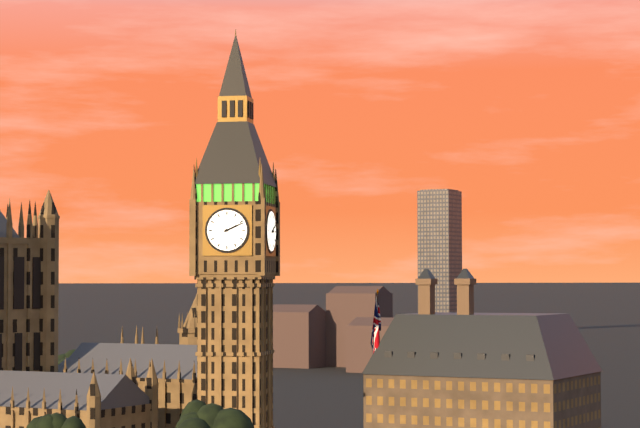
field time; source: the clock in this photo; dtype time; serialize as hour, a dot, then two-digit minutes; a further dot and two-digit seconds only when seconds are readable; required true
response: 2.11
